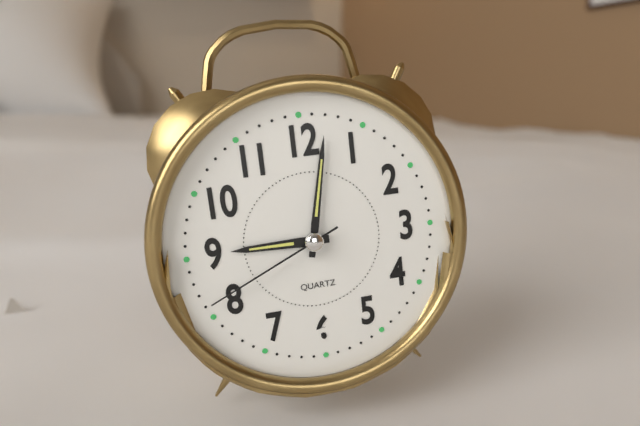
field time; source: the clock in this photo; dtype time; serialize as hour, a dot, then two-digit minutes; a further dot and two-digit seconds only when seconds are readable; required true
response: 9.02.41
